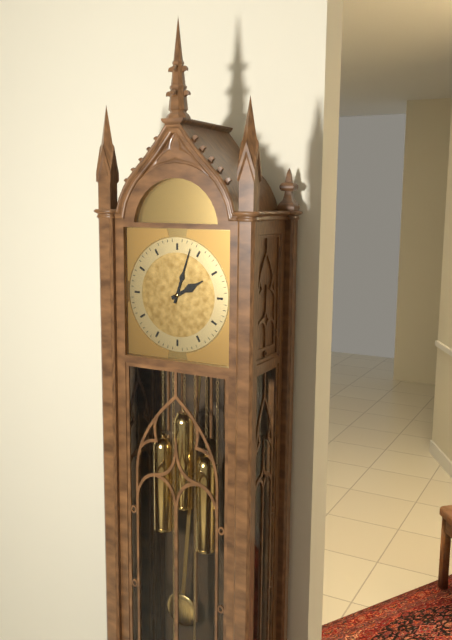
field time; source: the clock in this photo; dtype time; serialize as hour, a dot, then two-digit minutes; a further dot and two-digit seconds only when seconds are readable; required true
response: 2.03
